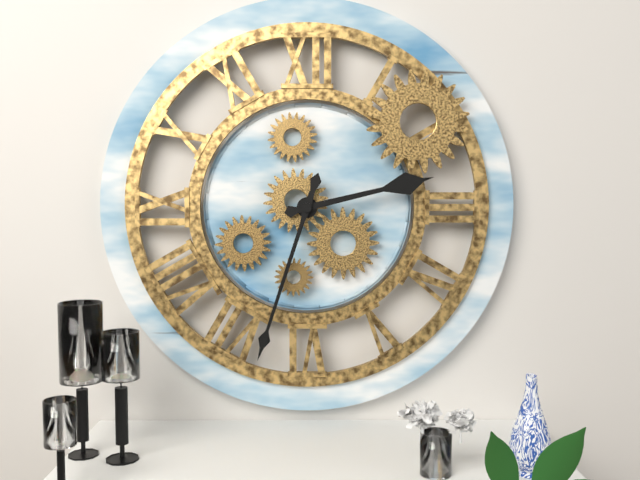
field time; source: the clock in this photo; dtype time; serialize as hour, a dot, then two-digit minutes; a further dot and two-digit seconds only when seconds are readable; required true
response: 2.33
